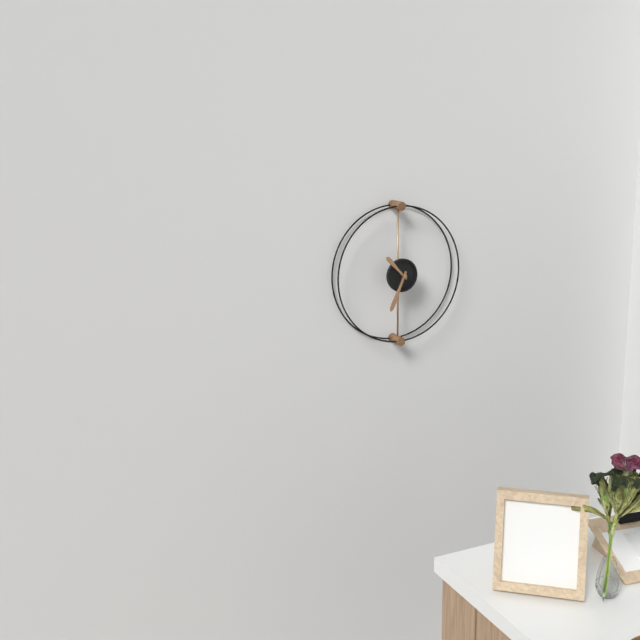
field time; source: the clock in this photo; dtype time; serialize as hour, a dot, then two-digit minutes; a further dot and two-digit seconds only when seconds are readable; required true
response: 10.34
